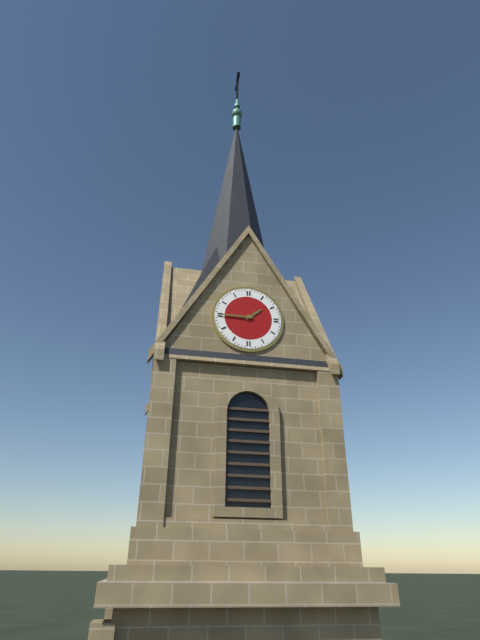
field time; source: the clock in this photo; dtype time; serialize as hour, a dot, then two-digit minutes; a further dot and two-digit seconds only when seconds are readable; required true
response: 1.45
